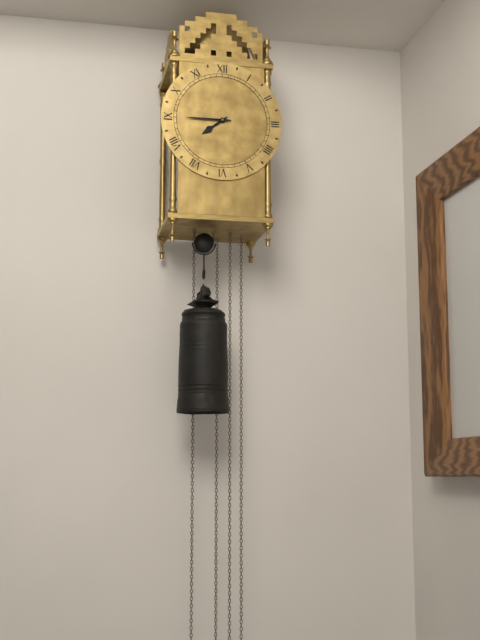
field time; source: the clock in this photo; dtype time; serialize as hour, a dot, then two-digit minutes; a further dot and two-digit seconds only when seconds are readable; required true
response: 7.45
